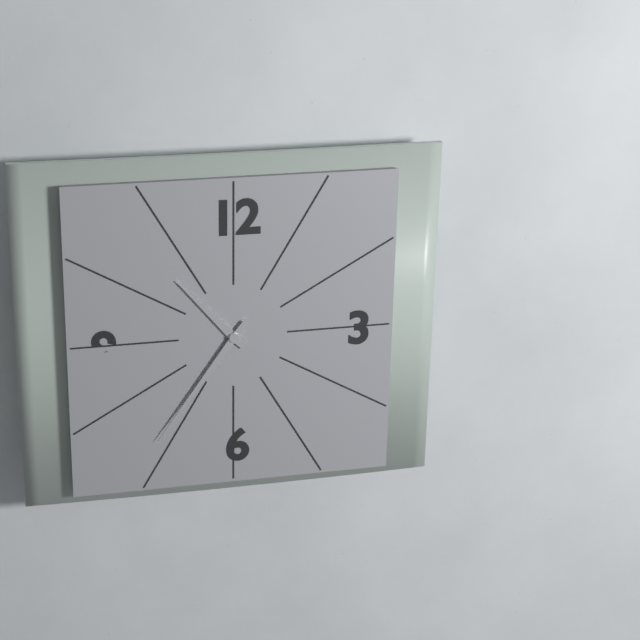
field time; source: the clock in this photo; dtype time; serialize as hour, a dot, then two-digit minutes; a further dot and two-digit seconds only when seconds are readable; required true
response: 10.36
